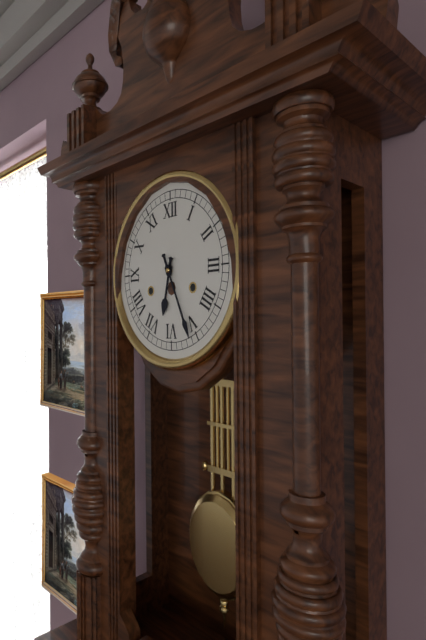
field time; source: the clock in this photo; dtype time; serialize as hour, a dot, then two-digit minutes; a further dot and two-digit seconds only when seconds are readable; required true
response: 6.26
